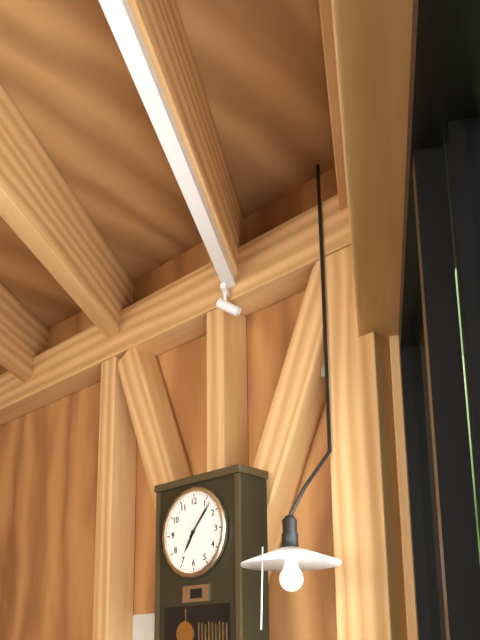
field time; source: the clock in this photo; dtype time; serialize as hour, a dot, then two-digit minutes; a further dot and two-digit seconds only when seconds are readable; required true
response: 7.07
